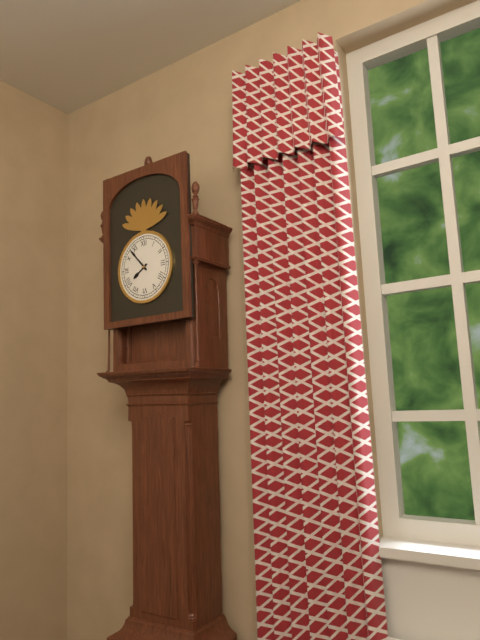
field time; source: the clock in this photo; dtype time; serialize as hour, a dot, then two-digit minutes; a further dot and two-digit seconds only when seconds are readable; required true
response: 7.53
